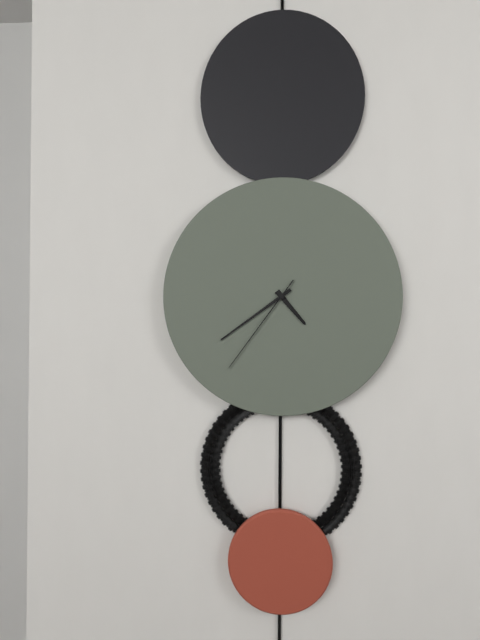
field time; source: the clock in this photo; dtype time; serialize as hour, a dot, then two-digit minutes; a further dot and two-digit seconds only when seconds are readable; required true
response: 4.39.36
